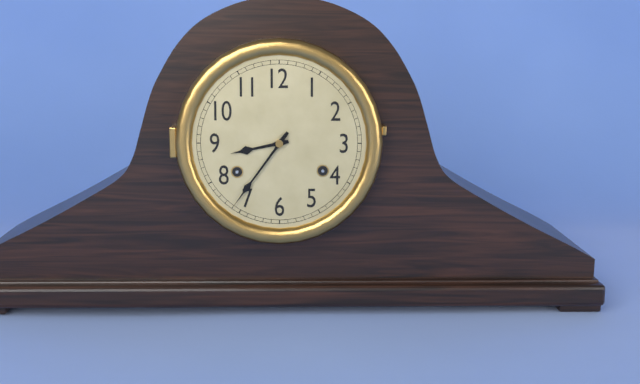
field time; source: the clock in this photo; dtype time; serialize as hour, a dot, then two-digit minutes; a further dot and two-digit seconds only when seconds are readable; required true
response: 8.36
